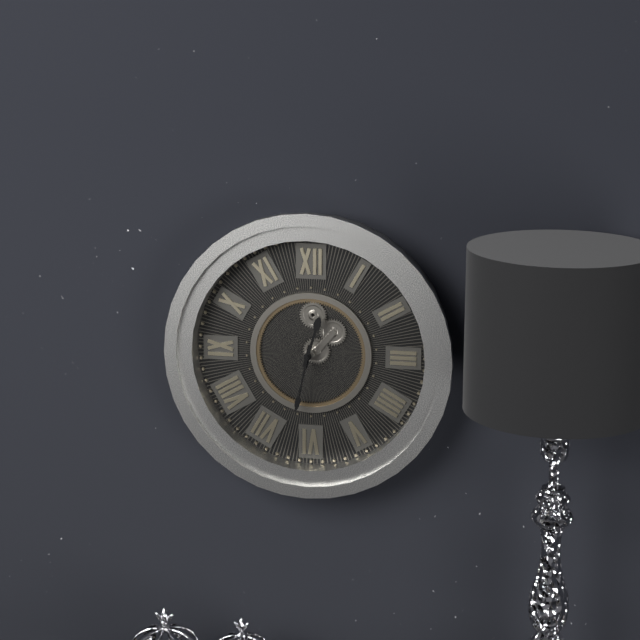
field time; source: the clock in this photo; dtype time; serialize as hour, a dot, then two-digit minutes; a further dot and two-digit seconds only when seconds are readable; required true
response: 12.32
